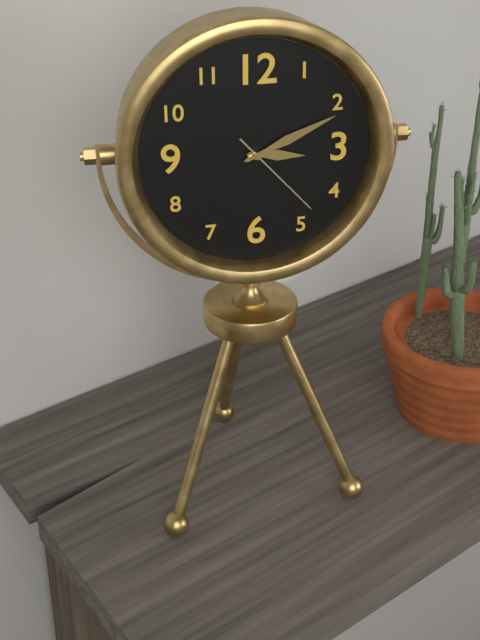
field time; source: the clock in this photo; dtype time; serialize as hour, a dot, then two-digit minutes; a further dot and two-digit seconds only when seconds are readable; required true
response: 3.11.23
